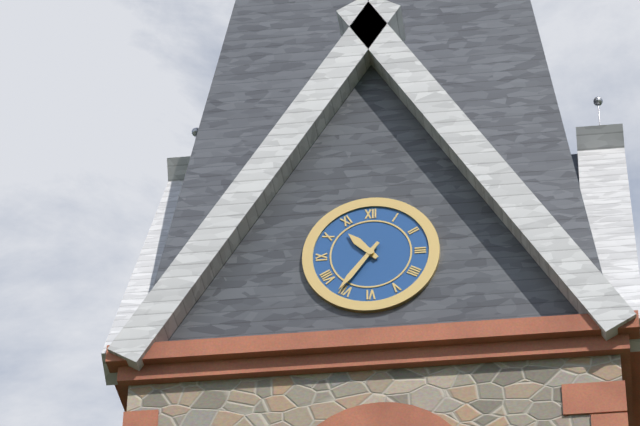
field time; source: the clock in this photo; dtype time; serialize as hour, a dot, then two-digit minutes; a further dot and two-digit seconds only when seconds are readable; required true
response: 10.36
